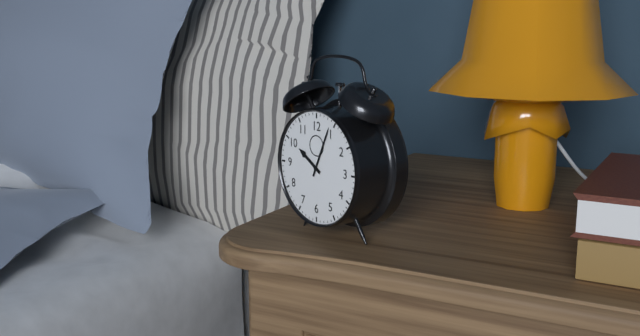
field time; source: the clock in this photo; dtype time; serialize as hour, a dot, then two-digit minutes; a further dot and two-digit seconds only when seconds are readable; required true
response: 10.04
